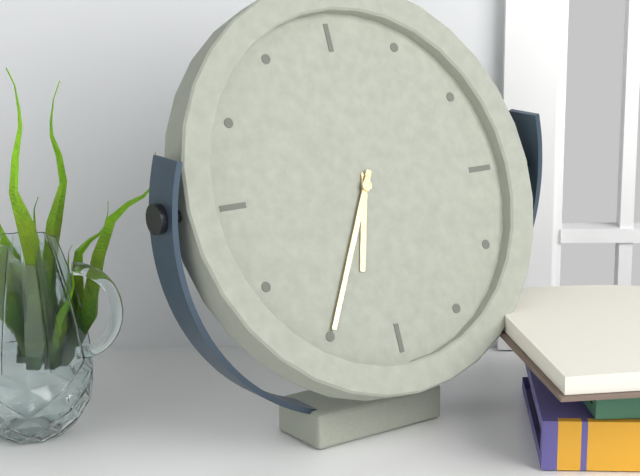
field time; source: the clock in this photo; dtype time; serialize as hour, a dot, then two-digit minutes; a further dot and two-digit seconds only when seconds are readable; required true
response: 6.35
